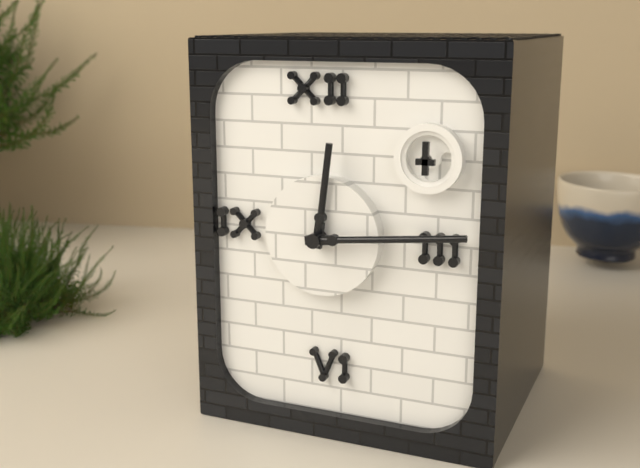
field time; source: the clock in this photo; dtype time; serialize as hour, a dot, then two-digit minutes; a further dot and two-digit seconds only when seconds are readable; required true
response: 12.14
